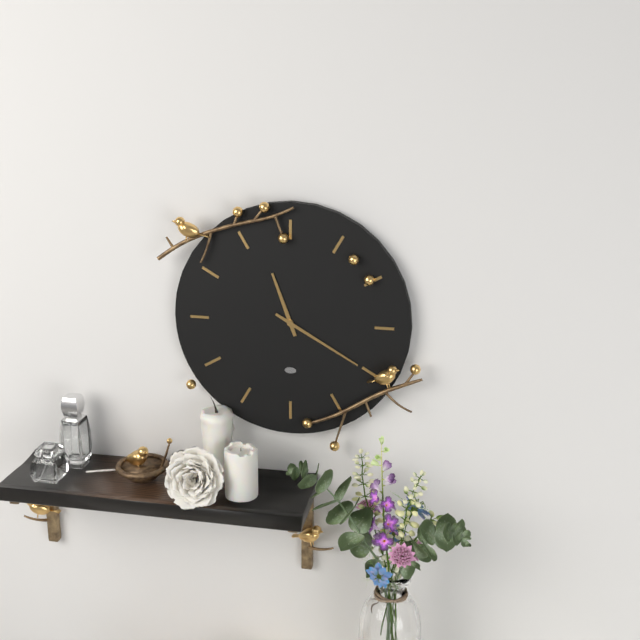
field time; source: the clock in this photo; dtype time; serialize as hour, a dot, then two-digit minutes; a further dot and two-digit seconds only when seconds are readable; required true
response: 11.20
